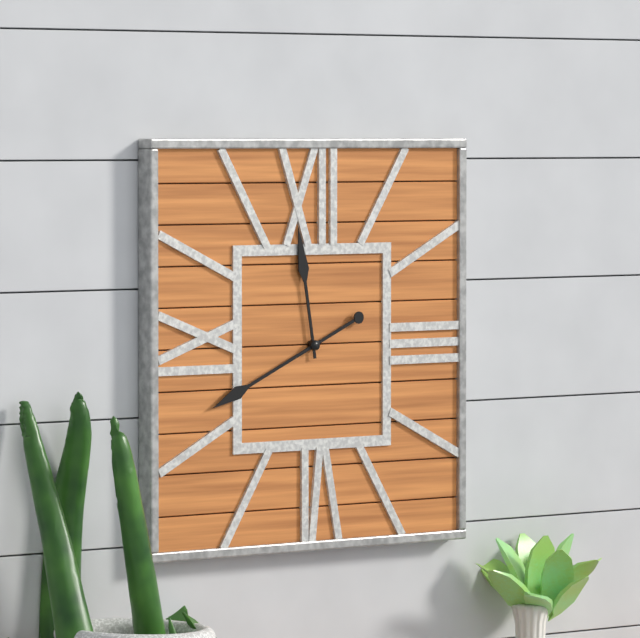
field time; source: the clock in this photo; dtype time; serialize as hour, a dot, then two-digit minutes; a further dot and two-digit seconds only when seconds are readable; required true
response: 11.41
